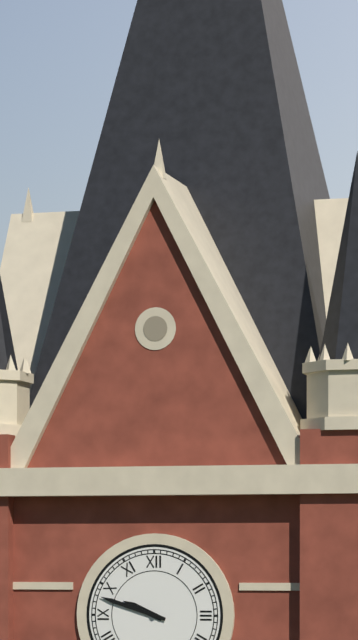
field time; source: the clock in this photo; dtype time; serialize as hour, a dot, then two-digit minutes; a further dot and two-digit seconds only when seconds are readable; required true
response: 9.48
